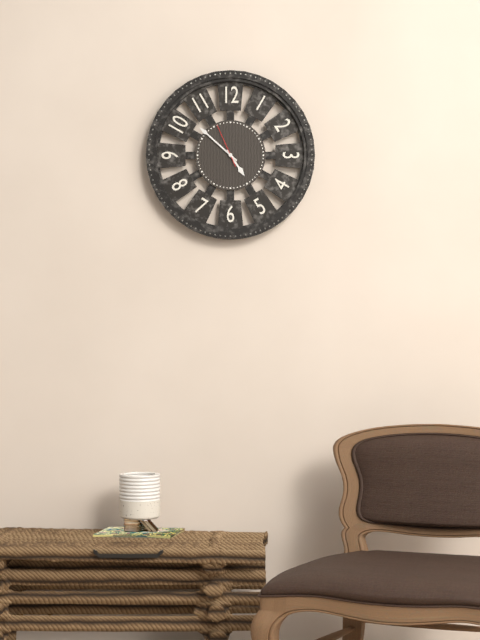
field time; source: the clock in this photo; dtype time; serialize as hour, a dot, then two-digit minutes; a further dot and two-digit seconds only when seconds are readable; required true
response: 4.52
